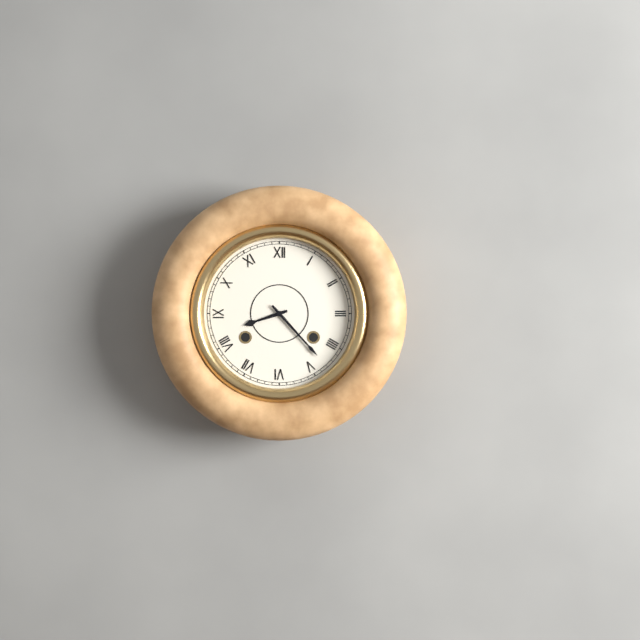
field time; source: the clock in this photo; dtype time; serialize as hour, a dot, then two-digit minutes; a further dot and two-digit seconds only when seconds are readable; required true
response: 8.23
